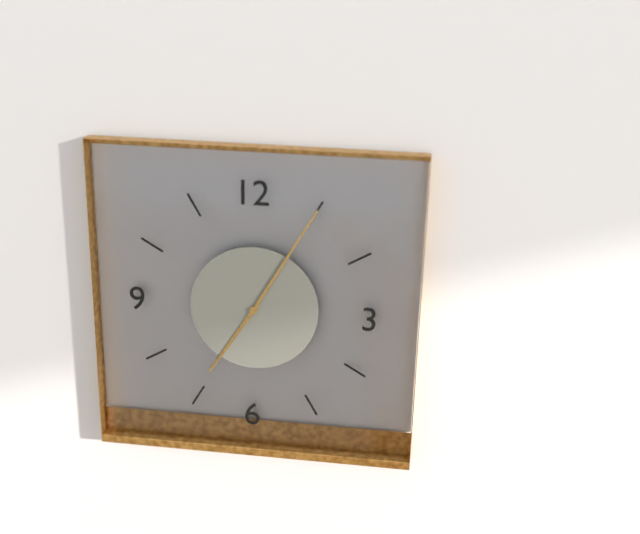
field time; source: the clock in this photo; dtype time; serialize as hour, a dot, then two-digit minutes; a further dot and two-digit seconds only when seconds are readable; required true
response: 7.05
